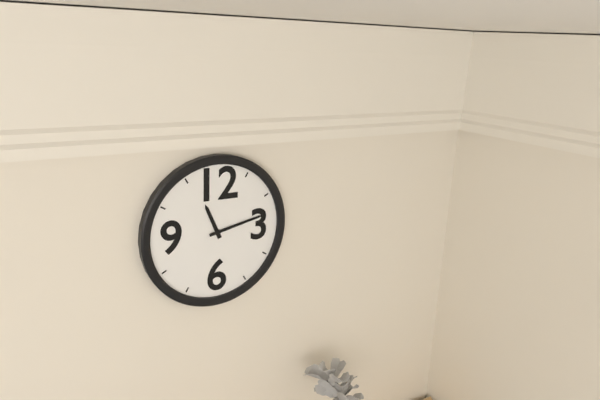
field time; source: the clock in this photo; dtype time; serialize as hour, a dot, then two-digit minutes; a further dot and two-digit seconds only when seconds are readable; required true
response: 11.13
